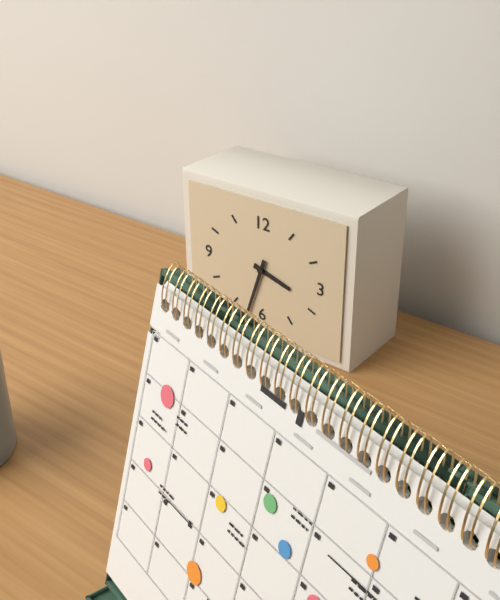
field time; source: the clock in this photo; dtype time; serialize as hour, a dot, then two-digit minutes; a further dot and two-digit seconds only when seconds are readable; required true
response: 3.33
